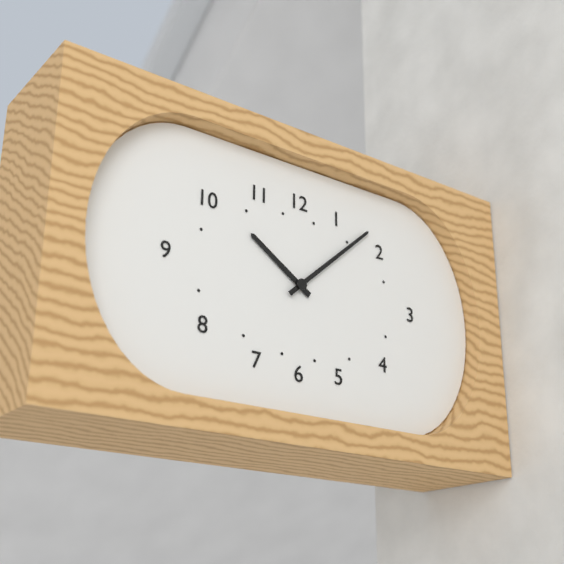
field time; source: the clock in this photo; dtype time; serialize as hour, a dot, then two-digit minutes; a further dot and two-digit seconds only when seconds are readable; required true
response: 10.08
